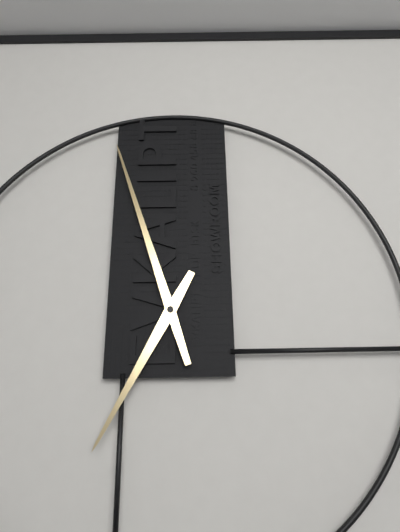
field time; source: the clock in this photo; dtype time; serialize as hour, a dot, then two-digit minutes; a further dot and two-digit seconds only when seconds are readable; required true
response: 6.57
